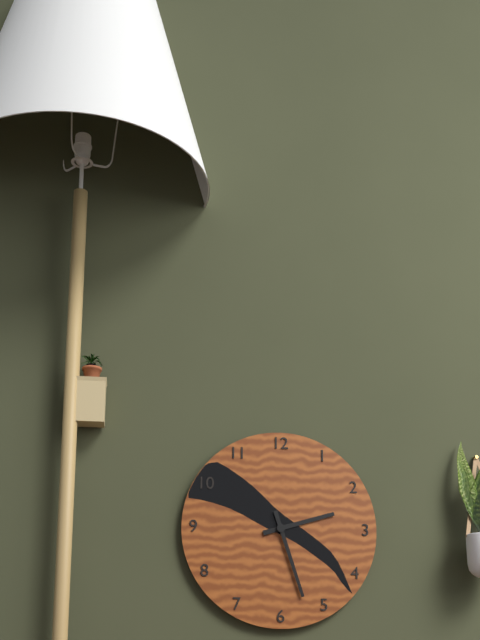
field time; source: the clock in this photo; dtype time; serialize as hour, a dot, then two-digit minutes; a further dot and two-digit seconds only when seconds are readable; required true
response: 2.27
